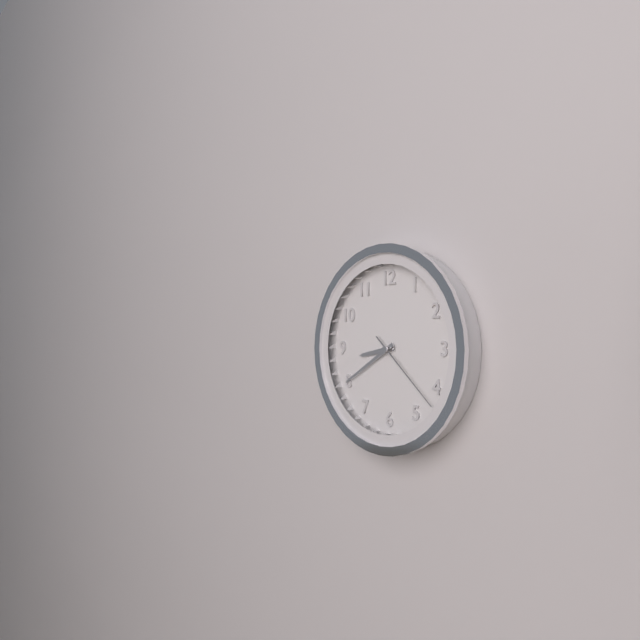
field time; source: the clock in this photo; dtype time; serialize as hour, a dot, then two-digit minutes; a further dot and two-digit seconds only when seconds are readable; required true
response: 8.40.22
